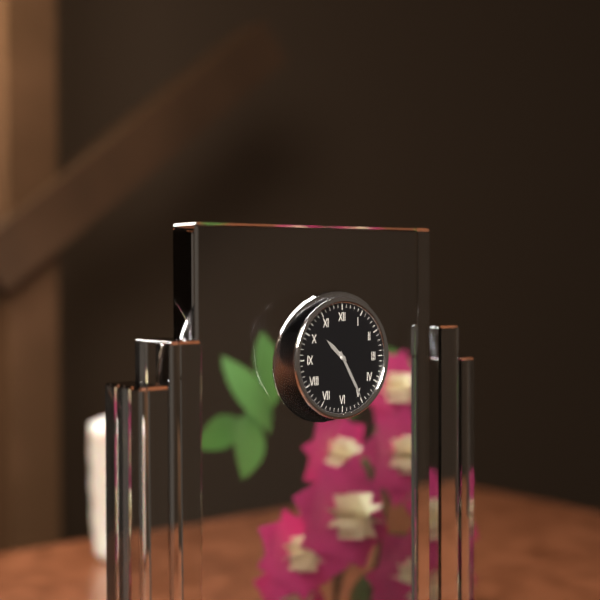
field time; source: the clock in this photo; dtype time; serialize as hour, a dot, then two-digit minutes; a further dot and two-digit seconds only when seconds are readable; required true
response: 10.25
